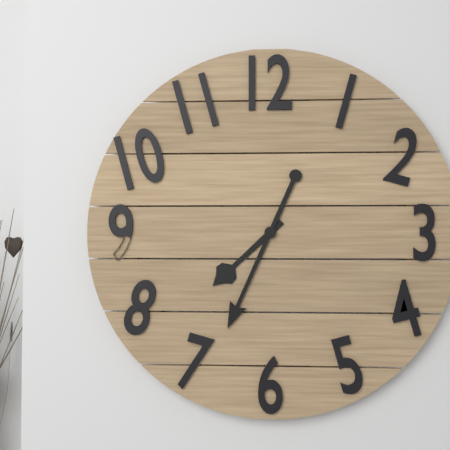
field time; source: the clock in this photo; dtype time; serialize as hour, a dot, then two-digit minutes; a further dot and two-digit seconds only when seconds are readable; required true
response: 7.34
